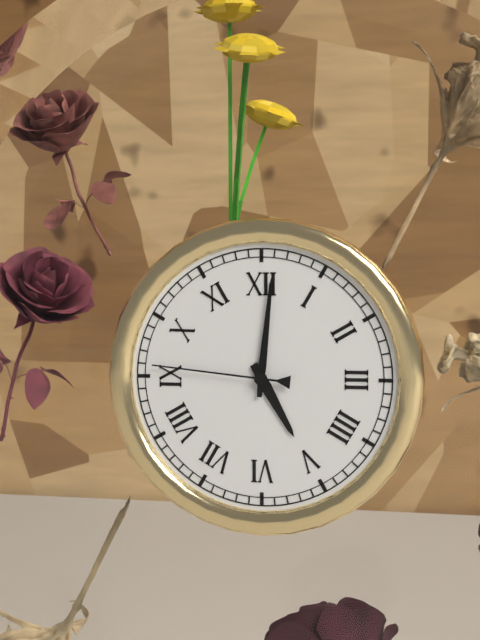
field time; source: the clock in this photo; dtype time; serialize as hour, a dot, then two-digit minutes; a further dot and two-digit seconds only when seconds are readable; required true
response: 5.01.46
